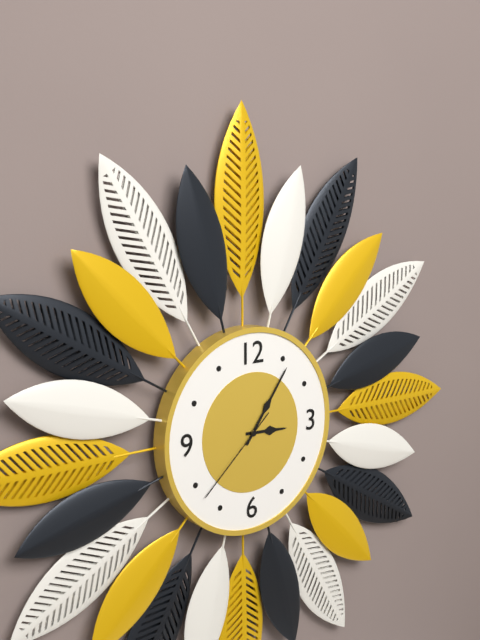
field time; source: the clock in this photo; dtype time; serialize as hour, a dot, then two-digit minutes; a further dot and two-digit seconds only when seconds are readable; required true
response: 3.06.38
